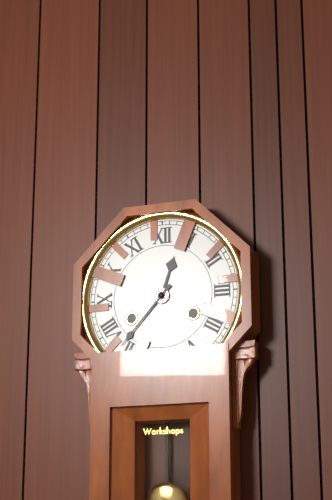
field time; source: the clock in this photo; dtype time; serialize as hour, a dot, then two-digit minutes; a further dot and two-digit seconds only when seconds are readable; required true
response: 12.37
